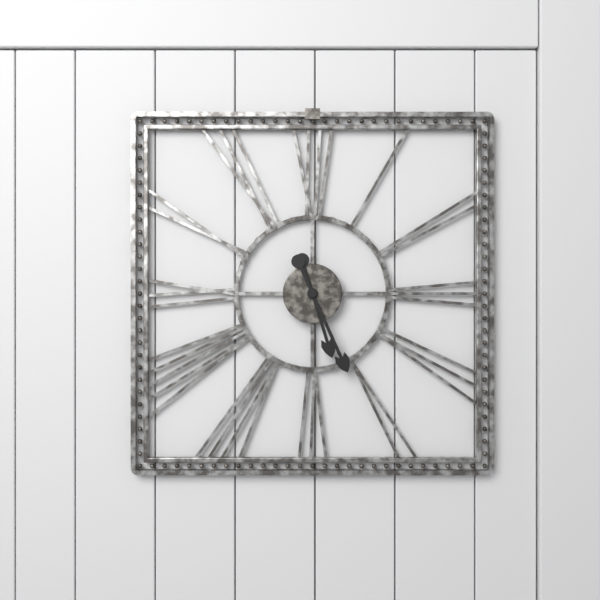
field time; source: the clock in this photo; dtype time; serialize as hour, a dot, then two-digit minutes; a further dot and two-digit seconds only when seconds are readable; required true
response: 5.26
